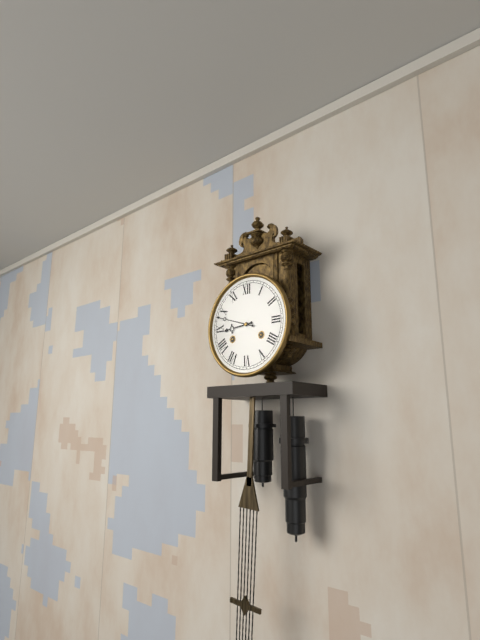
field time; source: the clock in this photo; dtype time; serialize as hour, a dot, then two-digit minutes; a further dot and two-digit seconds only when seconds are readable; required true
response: 8.48
